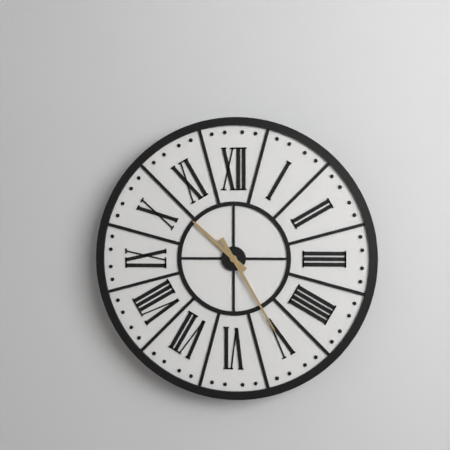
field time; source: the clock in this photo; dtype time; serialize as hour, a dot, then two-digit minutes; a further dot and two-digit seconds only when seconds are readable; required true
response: 10.25
